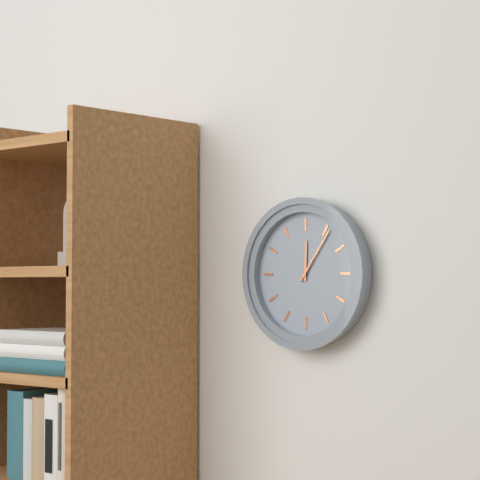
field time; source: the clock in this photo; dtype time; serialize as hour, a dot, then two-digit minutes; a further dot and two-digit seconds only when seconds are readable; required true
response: 12.06
